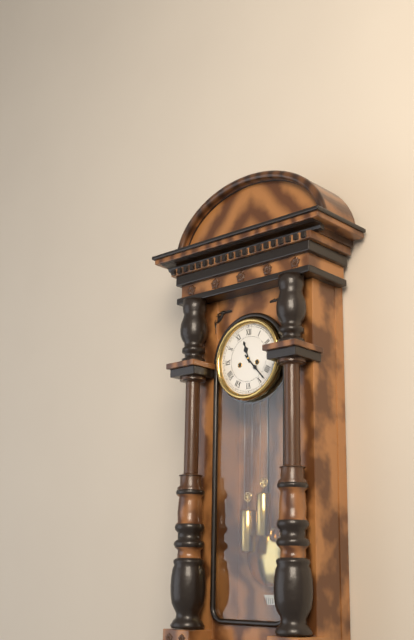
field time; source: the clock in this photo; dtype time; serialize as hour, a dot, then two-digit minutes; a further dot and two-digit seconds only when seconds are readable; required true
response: 11.23
